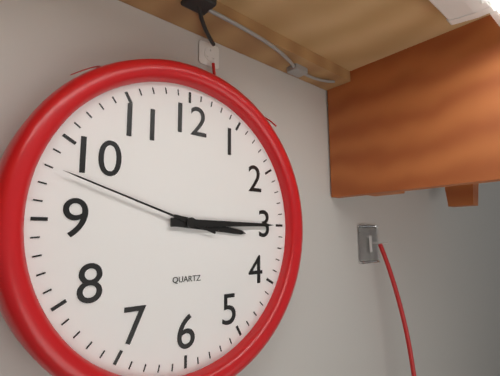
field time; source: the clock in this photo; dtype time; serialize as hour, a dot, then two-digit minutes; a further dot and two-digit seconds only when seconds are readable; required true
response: 3.15.48
